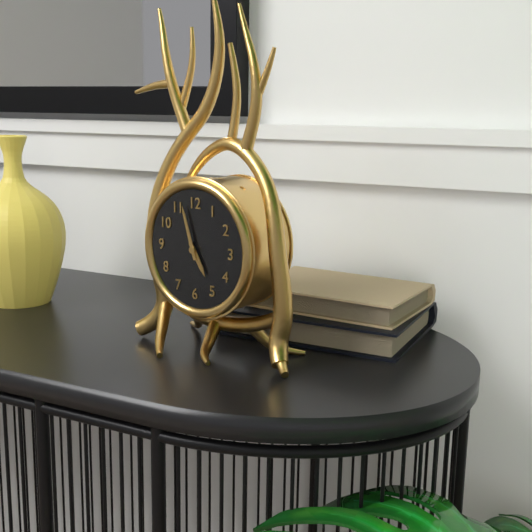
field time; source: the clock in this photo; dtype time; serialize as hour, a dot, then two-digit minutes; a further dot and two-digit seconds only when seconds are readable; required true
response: 4.57
